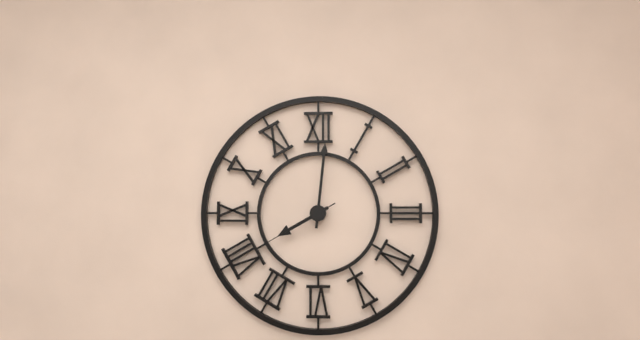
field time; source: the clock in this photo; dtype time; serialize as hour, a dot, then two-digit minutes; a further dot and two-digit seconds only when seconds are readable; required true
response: 8.01.40
